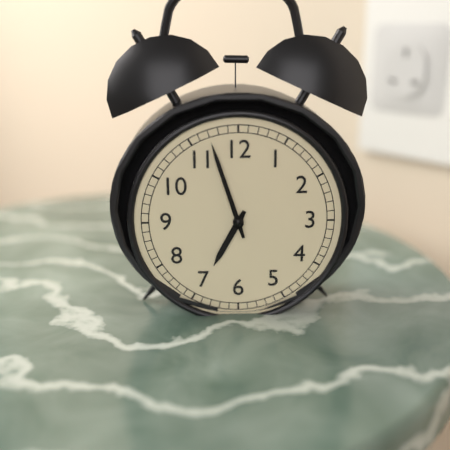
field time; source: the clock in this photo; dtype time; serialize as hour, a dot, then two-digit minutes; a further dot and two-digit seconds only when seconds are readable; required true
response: 6.57
